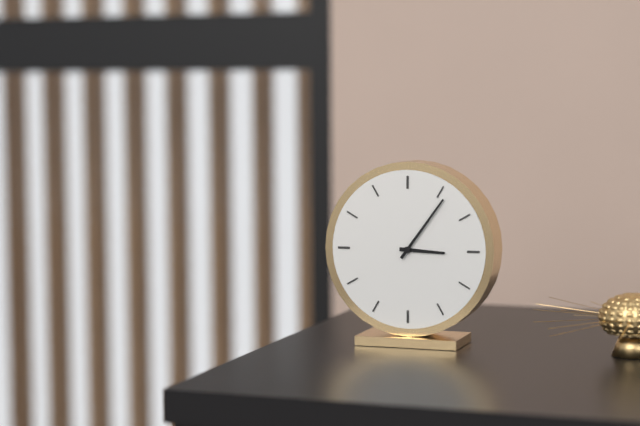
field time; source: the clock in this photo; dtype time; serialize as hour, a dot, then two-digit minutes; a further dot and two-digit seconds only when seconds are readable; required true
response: 3.06
